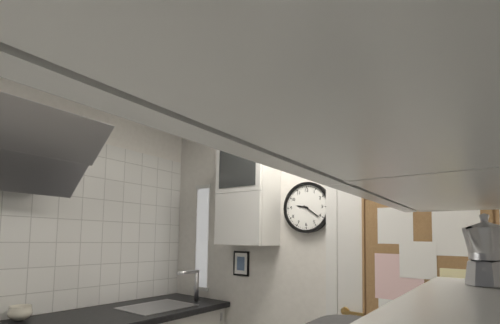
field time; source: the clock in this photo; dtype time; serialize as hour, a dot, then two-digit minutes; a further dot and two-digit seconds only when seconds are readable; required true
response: 9.21
